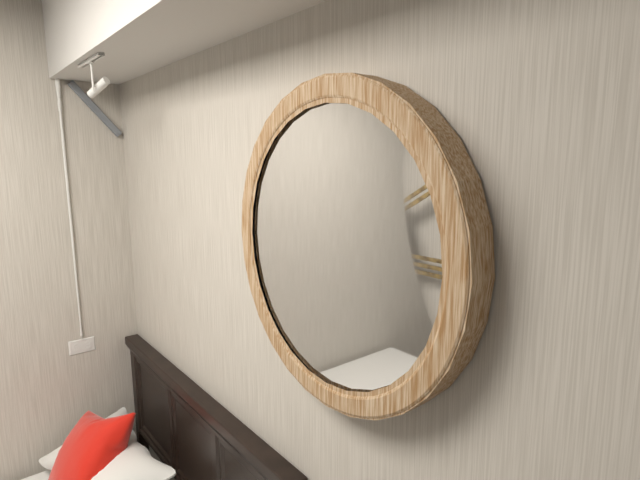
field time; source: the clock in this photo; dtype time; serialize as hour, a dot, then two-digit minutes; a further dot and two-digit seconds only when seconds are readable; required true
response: 5.05
